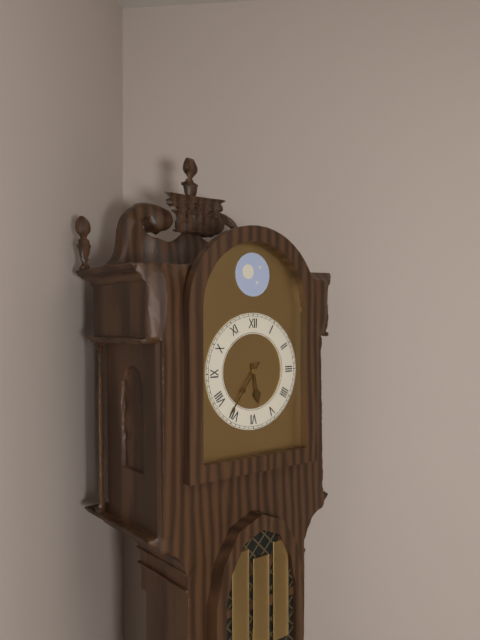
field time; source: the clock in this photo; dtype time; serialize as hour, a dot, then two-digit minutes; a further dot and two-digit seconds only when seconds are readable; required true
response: 5.36
